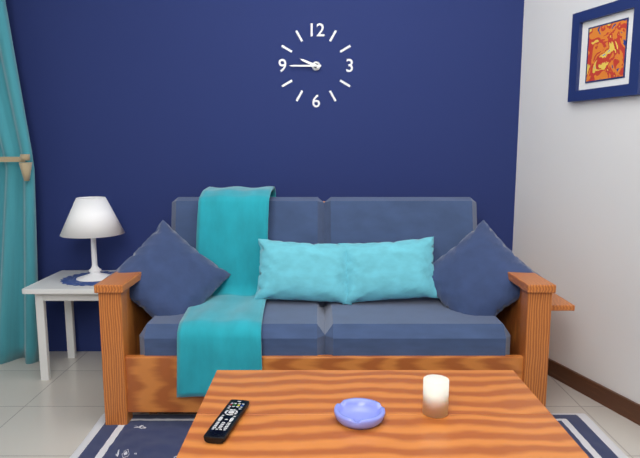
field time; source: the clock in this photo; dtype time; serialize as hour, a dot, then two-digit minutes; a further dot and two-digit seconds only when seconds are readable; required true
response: 9.45
